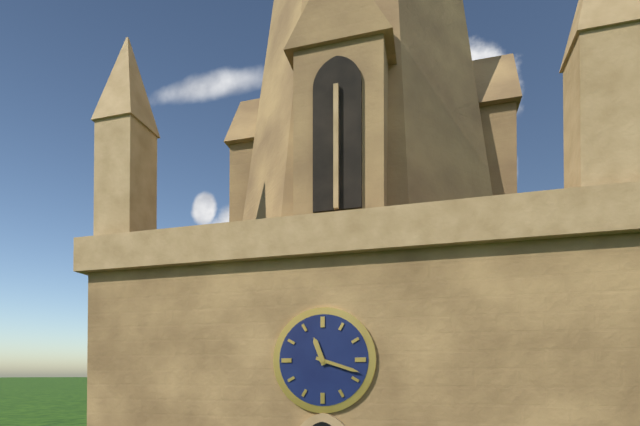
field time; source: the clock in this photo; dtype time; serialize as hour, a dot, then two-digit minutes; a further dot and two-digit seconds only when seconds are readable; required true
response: 11.18
